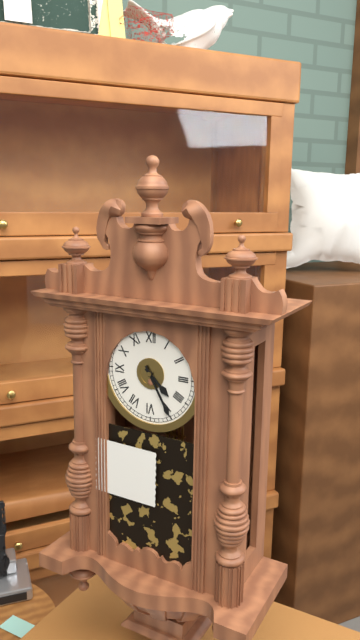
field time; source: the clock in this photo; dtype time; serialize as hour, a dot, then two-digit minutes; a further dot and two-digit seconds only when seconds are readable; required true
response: 4.25
